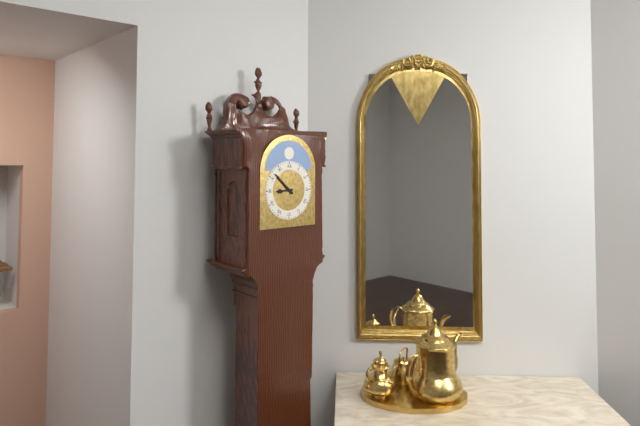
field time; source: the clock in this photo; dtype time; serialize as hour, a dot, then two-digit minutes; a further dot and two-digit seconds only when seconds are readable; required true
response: 8.52
